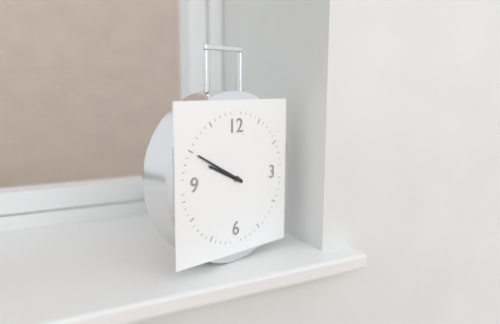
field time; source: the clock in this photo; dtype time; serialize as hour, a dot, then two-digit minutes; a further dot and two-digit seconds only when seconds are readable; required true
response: 9.50
